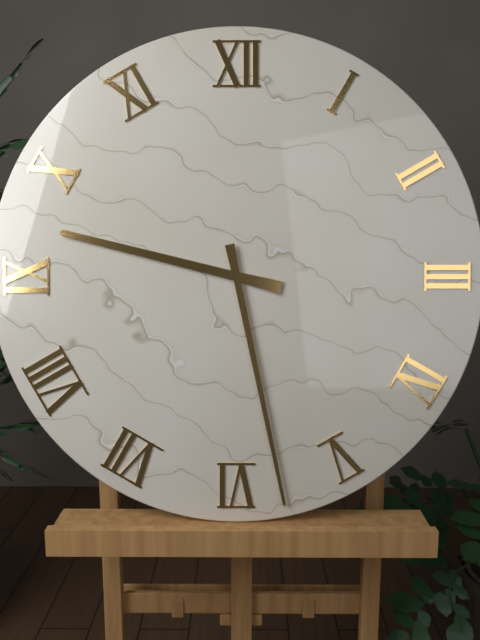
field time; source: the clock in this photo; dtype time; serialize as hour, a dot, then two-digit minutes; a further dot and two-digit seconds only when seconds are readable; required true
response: 9.28
